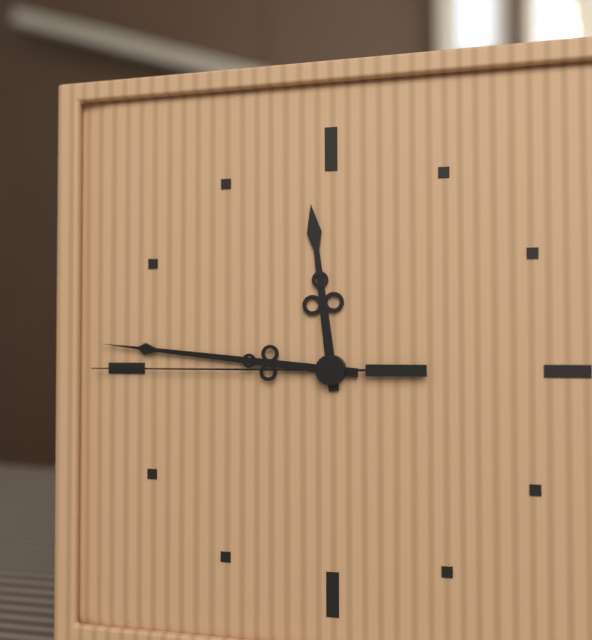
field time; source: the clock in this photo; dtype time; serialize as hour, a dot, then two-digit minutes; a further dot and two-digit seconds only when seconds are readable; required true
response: 11.46.45
